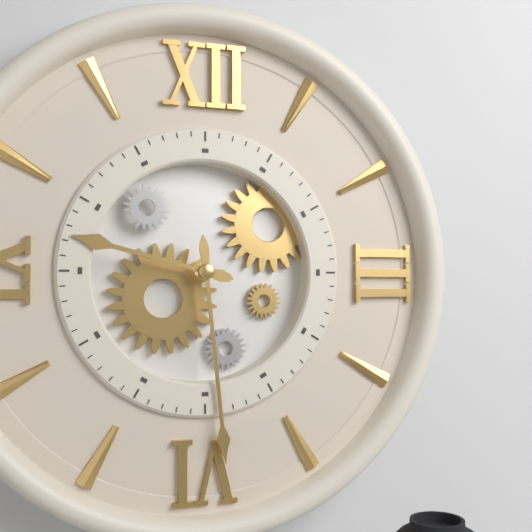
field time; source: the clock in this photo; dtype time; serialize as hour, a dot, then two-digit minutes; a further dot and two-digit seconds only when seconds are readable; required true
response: 9.29
